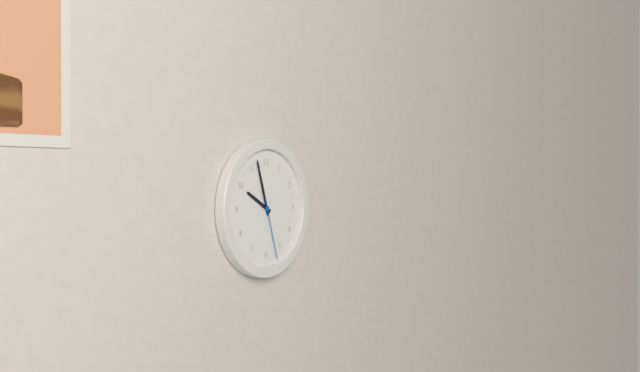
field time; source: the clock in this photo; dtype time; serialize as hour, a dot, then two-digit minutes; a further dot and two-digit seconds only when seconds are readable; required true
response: 9.57.27
